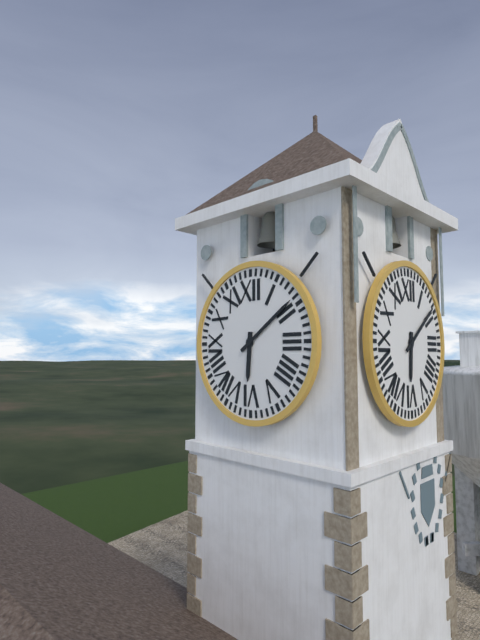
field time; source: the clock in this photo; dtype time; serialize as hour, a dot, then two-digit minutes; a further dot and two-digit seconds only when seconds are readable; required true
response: 6.09
